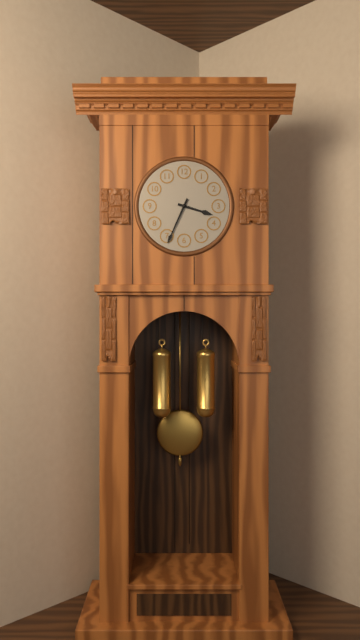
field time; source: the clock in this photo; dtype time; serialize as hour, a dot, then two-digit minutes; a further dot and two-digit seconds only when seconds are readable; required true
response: 3.34
